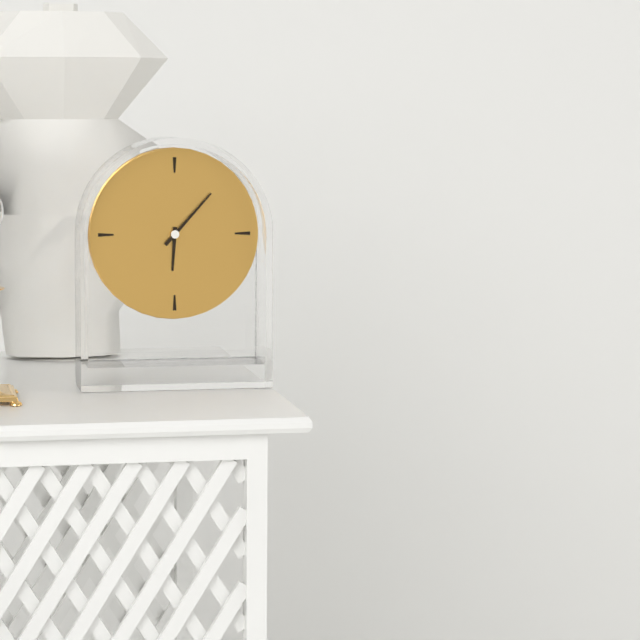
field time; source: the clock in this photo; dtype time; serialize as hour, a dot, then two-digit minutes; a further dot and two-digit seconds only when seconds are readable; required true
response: 6.07
